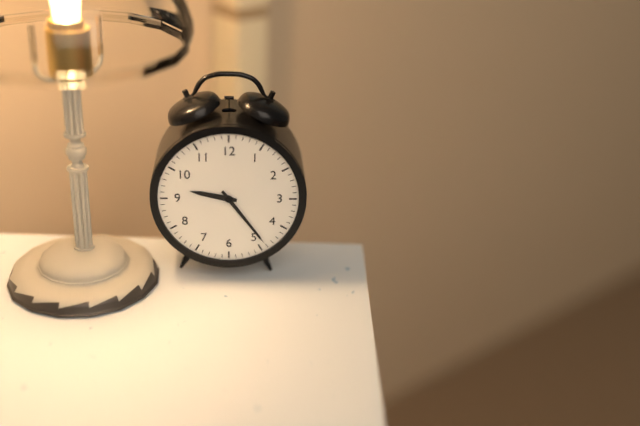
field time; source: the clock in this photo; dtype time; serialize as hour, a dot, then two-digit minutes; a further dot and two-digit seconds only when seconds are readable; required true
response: 9.24
